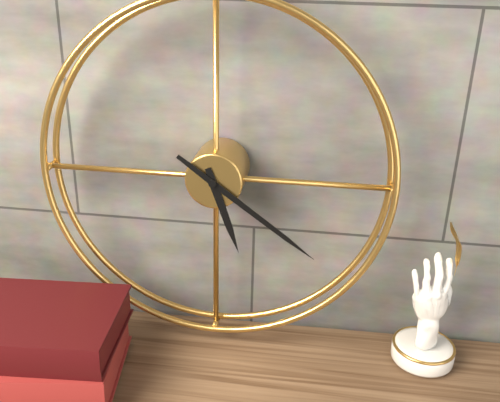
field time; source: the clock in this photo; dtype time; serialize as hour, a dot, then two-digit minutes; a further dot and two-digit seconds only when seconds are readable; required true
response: 5.21
